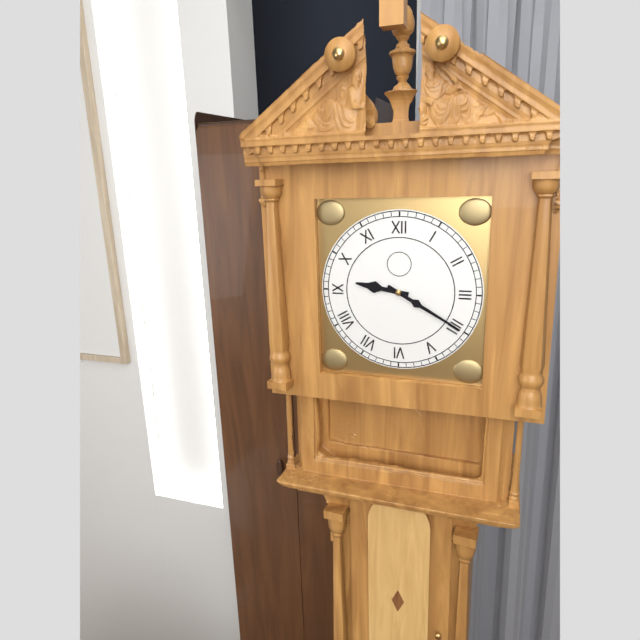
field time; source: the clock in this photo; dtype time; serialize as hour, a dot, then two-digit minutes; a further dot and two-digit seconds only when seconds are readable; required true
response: 9.20
